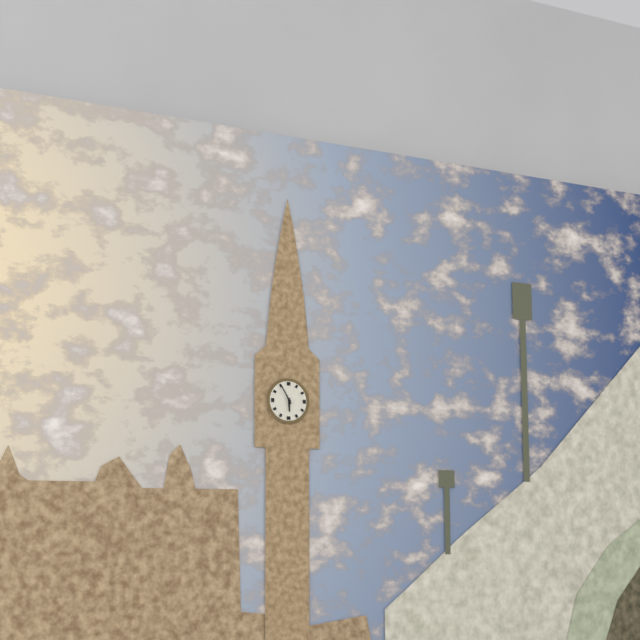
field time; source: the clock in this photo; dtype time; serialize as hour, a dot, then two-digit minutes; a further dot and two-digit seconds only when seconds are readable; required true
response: 5.55
